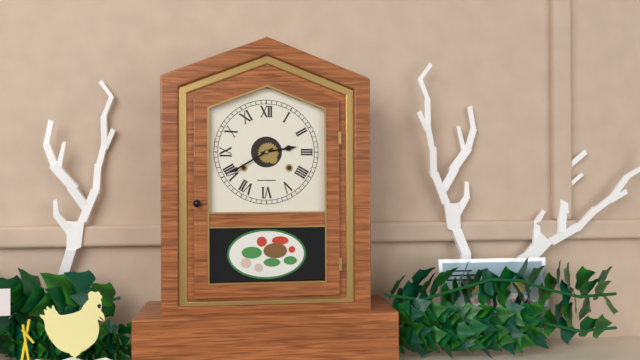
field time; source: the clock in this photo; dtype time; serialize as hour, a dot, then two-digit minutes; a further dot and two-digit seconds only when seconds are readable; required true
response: 2.40
